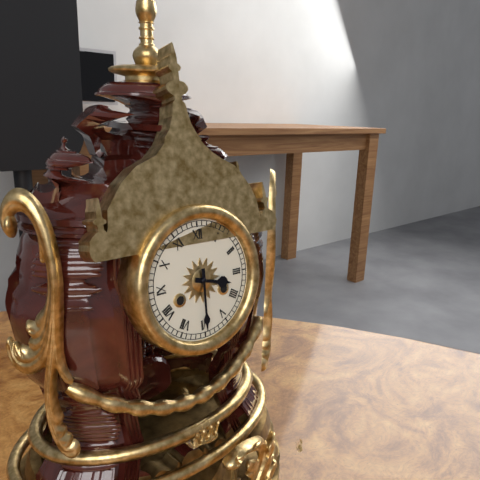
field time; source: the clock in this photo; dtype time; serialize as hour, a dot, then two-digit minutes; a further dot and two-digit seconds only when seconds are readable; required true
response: 3.30
